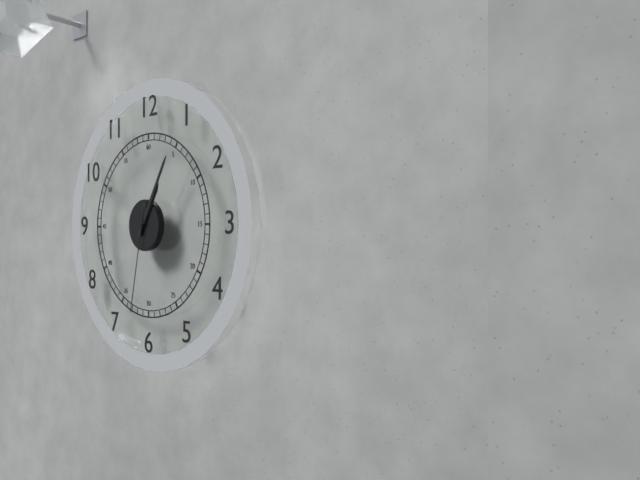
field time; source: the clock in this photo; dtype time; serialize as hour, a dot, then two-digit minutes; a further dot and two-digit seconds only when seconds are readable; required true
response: 1.05.32
